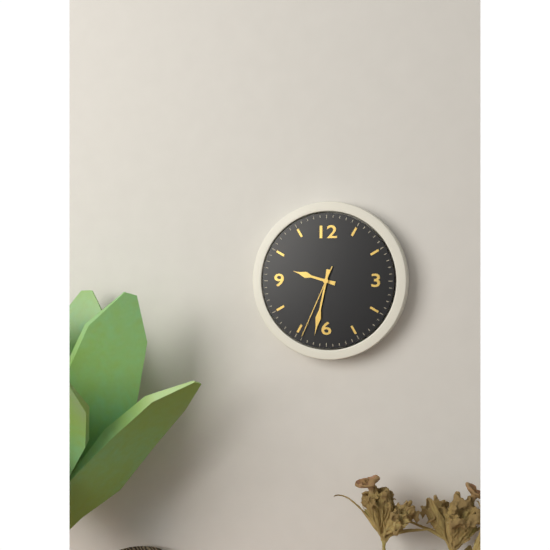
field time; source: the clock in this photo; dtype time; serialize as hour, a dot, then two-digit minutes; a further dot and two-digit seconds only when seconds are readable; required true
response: 9.32.34
